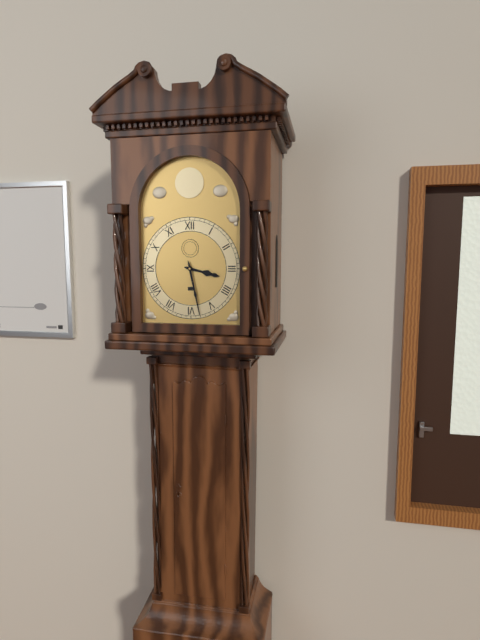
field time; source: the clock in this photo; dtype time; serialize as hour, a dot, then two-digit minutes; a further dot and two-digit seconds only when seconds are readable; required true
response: 3.28
